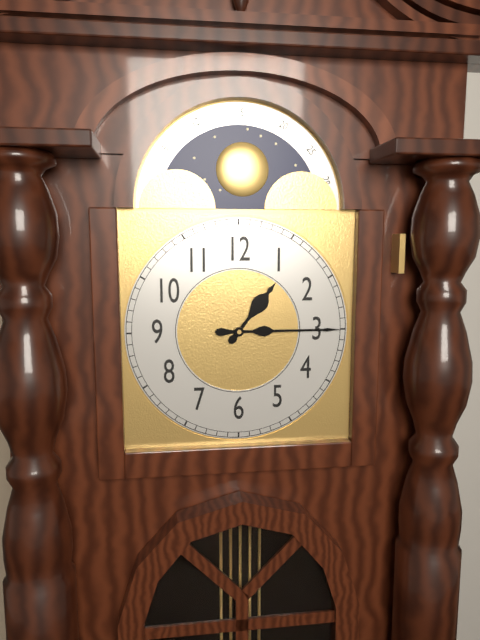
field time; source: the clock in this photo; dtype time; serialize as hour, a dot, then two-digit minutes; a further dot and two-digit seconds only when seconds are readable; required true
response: 1.15
